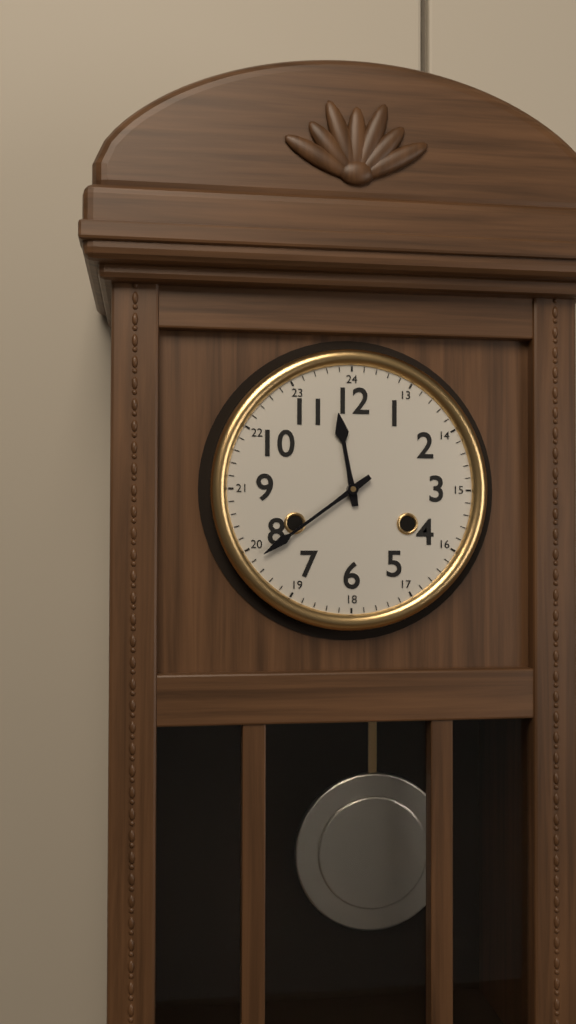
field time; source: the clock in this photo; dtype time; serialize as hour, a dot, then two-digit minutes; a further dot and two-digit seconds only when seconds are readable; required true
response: 11.39
